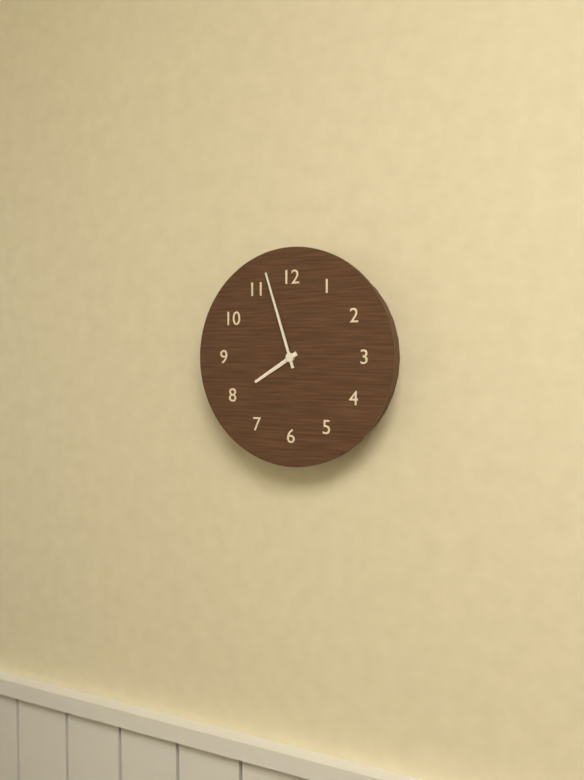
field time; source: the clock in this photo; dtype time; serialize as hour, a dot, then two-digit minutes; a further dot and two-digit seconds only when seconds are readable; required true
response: 7.57
